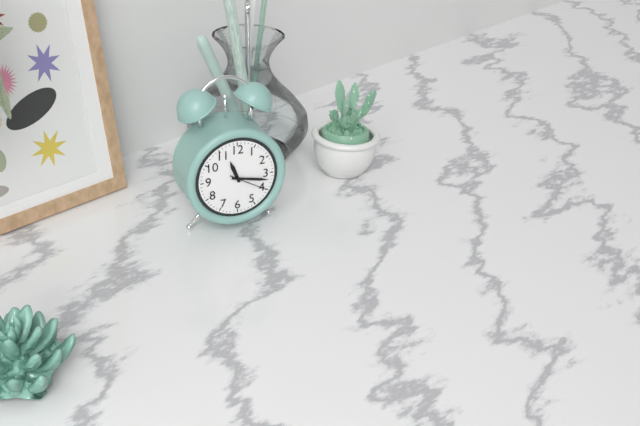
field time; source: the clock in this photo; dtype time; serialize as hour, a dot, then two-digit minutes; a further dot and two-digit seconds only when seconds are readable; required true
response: 11.17
